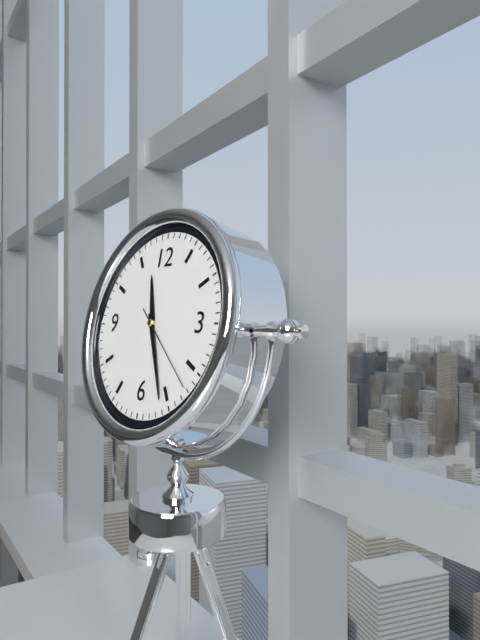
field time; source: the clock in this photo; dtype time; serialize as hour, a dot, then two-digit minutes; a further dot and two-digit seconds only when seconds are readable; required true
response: 11.26.22
